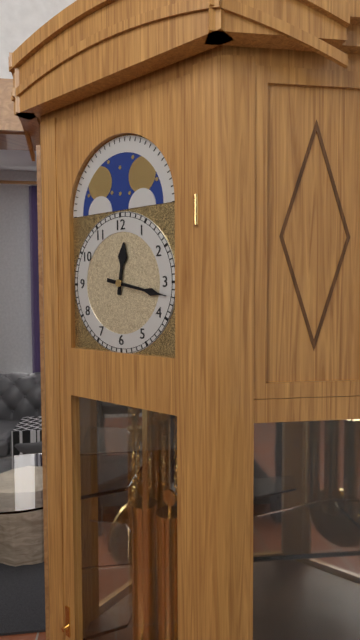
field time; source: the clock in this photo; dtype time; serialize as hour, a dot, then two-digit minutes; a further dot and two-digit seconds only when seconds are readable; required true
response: 12.17
